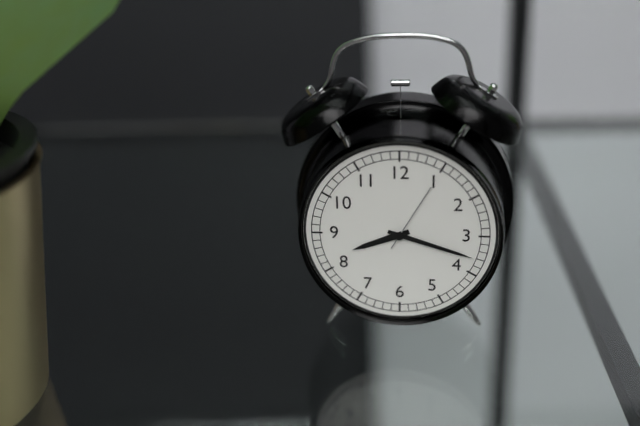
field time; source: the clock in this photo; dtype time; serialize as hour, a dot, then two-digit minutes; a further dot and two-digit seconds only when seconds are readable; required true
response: 8.18.05
